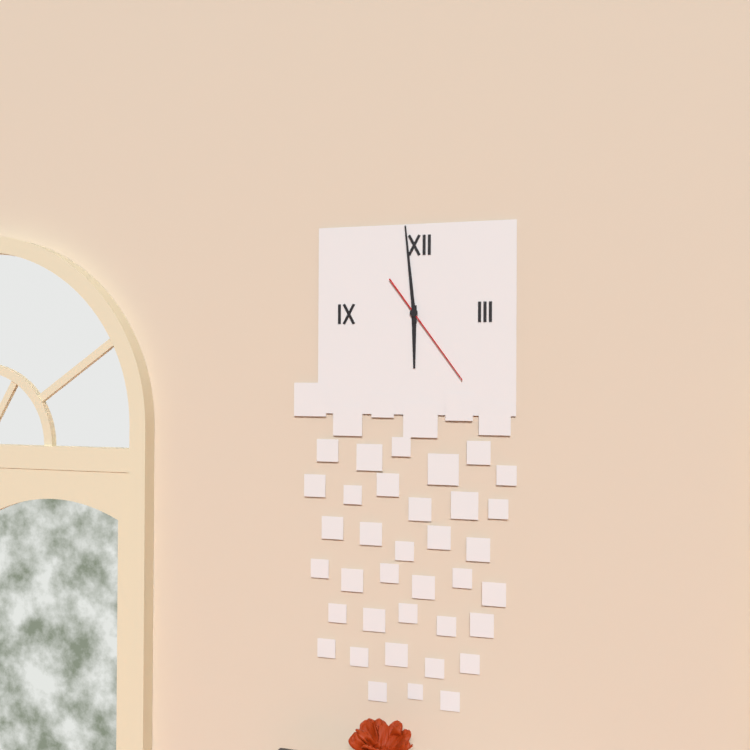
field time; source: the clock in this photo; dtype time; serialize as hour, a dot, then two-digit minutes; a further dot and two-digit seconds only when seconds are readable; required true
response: 5.59.24
